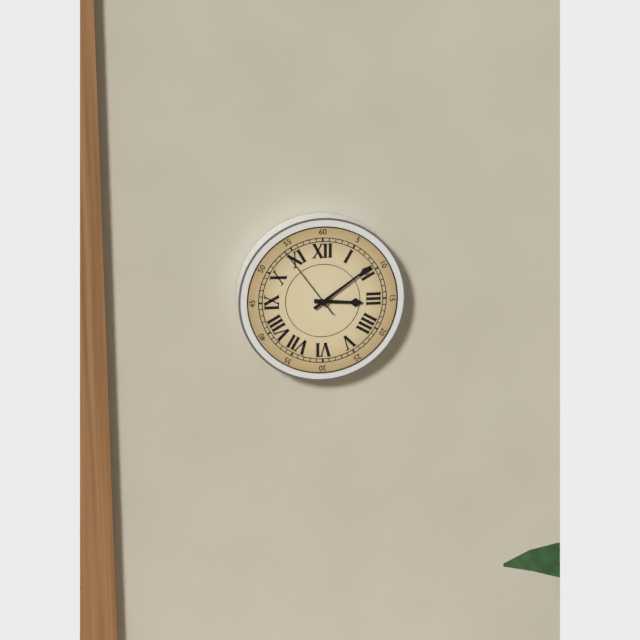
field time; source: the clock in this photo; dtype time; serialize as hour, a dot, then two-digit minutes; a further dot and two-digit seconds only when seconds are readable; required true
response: 3.09.54
